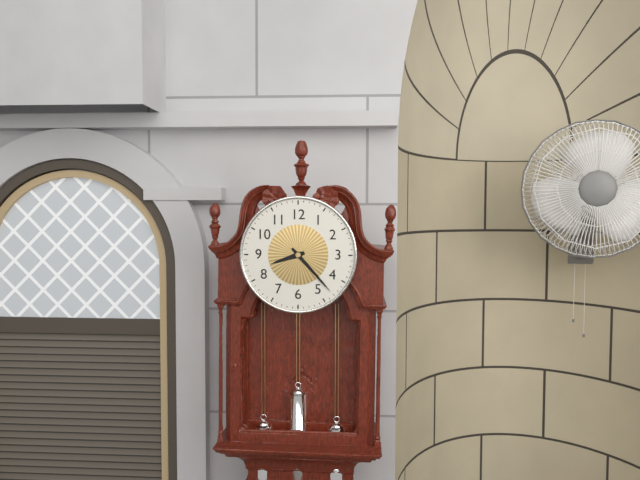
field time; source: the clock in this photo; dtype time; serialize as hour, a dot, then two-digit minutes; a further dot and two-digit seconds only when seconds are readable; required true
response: 8.23
